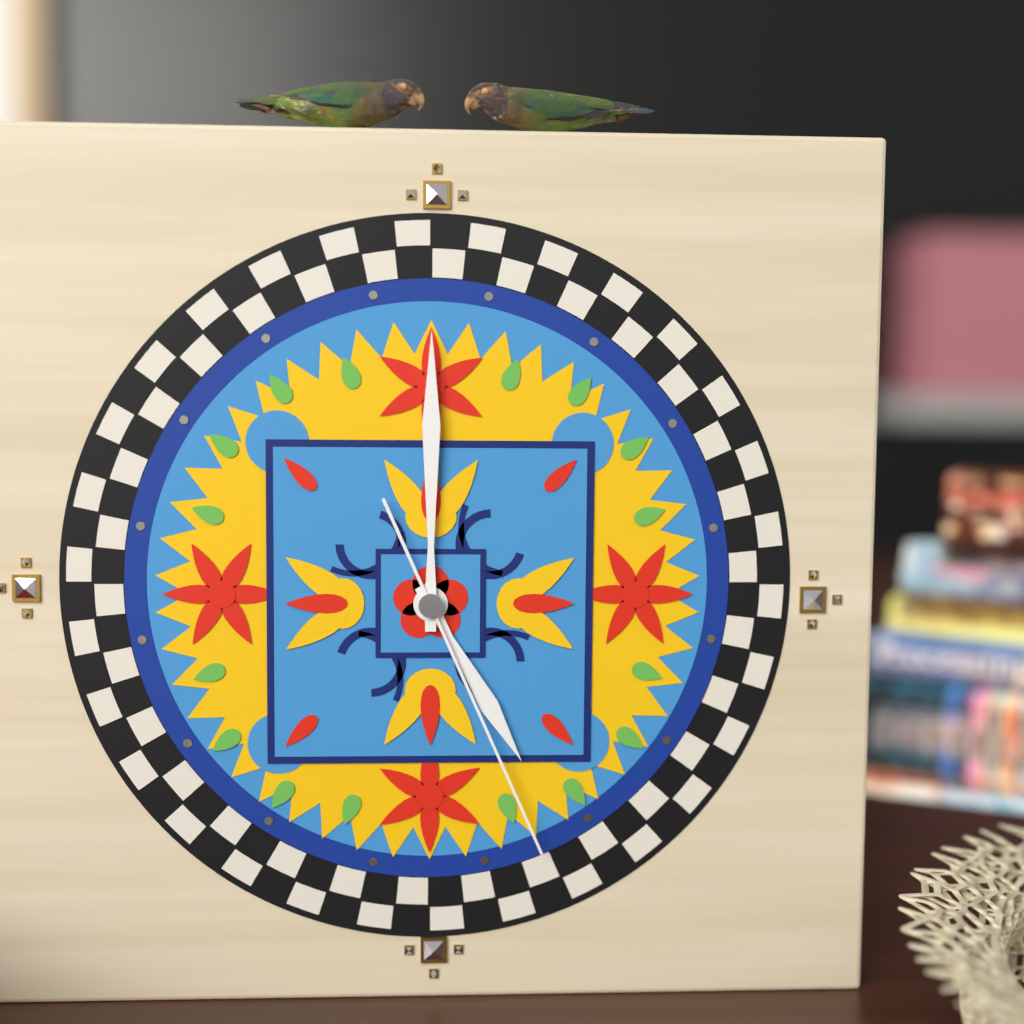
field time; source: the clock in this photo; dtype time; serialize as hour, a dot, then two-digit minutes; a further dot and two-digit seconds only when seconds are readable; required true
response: 5.00.26
